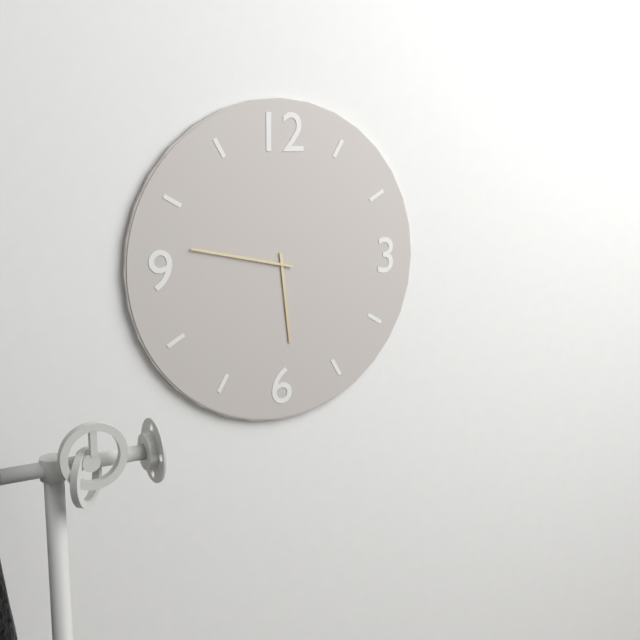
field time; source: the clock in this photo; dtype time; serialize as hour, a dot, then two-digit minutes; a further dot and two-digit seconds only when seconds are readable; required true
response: 5.47
